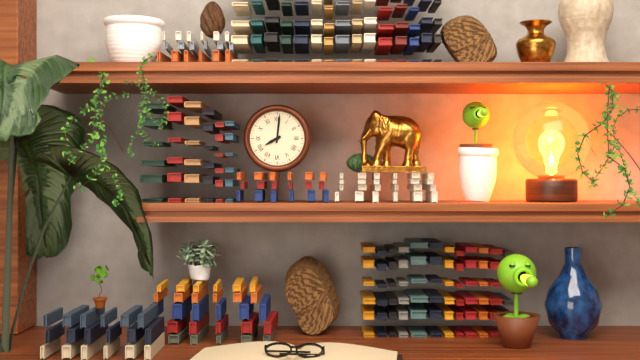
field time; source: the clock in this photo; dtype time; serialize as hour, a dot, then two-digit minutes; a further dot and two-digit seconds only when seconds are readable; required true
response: 8.01
